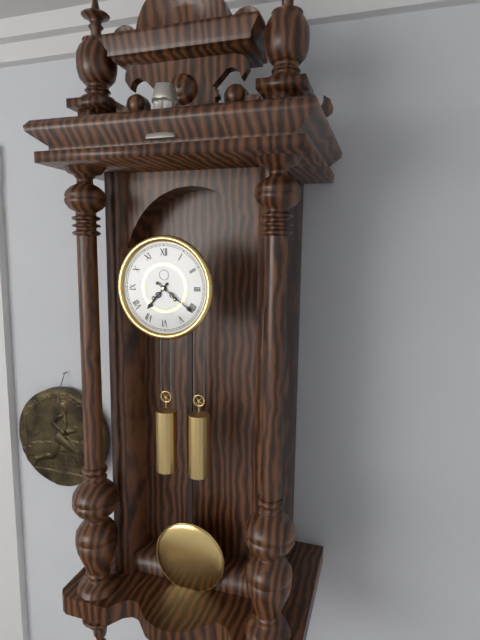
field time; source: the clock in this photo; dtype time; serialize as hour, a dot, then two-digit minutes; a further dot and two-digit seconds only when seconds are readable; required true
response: 7.21
